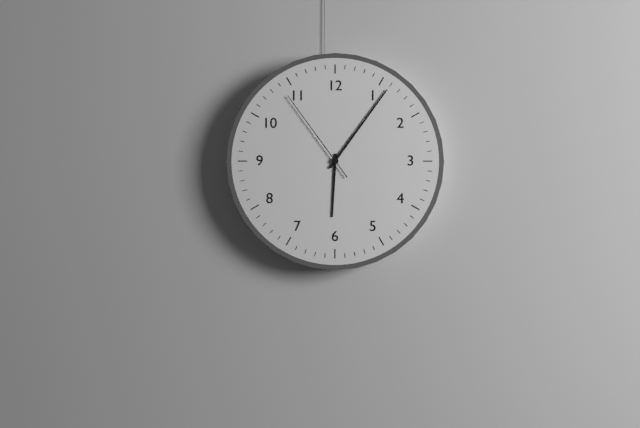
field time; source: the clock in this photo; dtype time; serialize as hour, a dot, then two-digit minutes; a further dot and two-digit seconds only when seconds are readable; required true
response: 6.06.54
